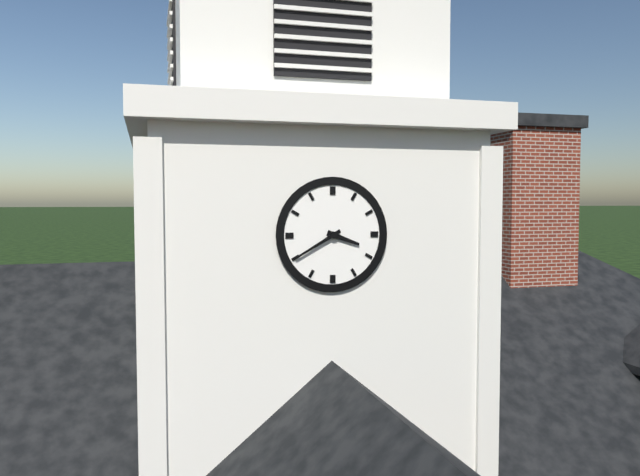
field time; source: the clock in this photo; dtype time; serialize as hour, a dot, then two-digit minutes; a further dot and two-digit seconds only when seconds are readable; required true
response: 3.40
